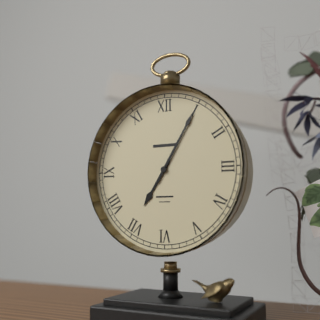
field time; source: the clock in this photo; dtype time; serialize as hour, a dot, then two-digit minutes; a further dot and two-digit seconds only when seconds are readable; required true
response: 7.05
